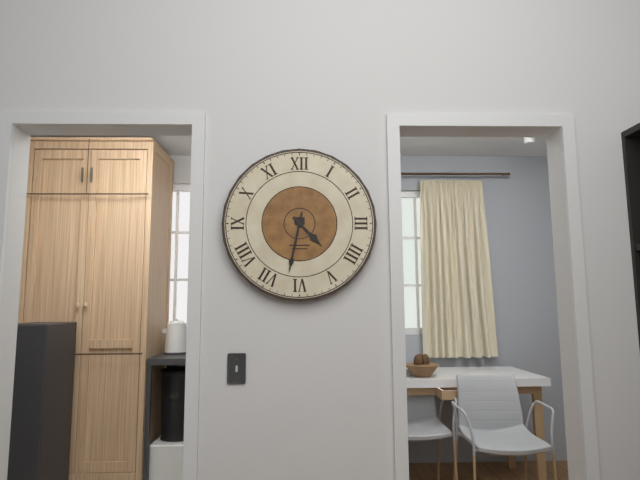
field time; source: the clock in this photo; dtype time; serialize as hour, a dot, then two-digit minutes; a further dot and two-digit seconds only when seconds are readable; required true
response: 4.32
